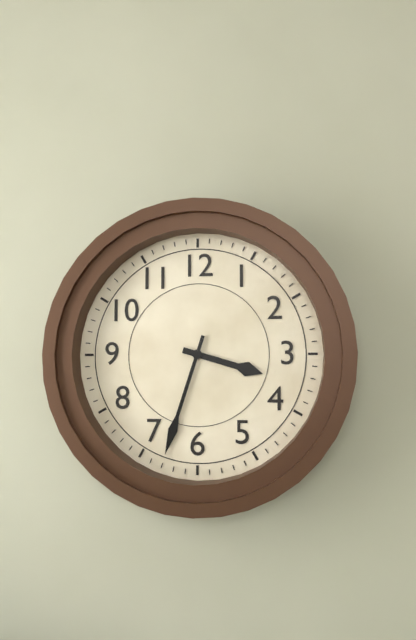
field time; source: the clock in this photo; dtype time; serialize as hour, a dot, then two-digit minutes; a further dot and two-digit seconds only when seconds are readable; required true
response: 3.33
